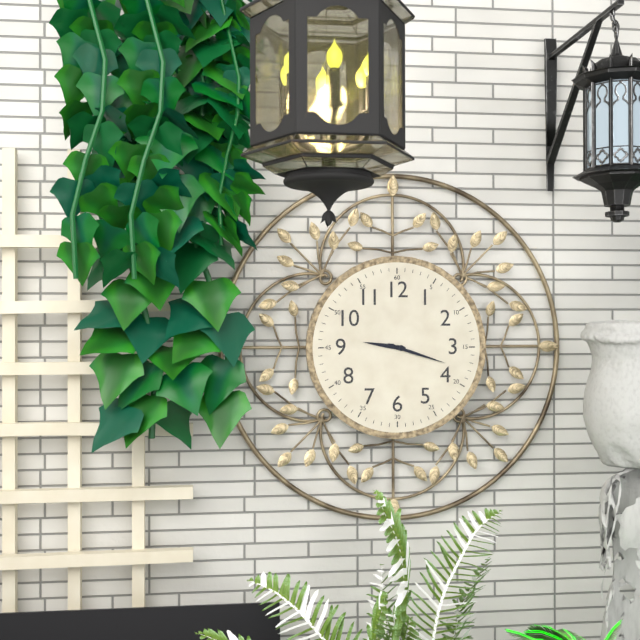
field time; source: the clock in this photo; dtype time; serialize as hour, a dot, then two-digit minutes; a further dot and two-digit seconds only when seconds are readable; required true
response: 9.18
